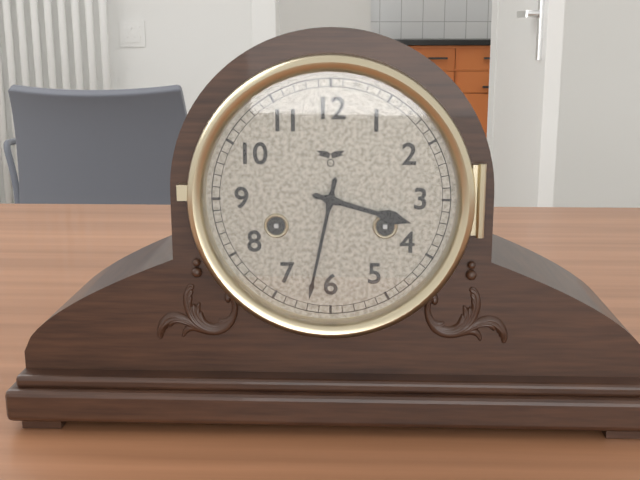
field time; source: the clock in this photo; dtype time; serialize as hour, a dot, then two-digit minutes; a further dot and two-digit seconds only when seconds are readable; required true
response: 3.32
